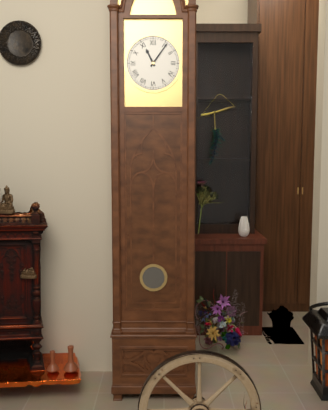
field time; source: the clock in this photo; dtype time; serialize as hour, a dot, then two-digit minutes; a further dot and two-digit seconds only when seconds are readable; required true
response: 11.06
